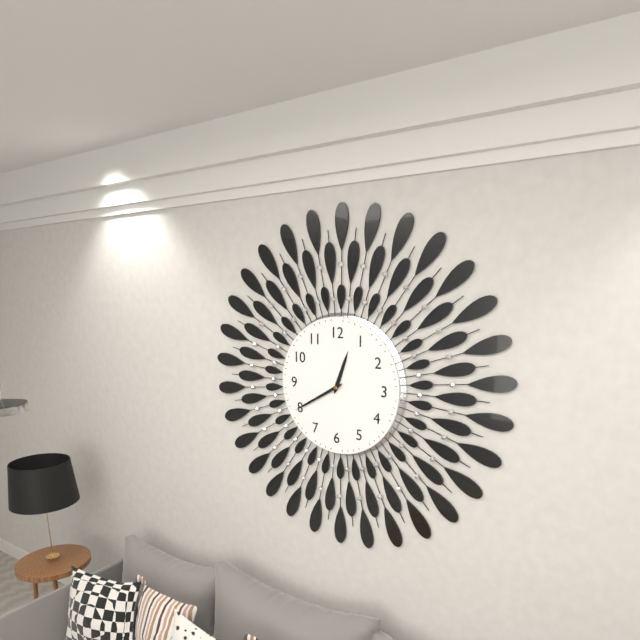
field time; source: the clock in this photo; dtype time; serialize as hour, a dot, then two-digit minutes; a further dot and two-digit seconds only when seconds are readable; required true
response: 12.40
